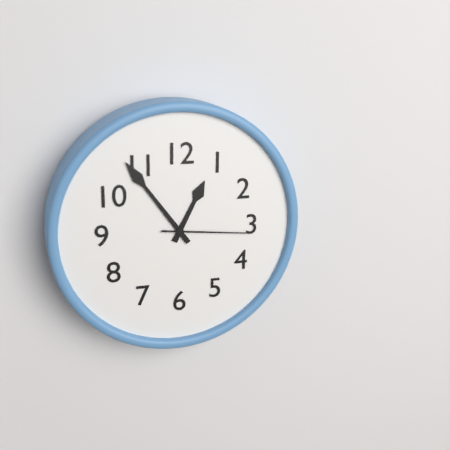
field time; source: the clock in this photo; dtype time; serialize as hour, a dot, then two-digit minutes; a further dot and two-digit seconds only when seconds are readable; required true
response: 12.54.16
